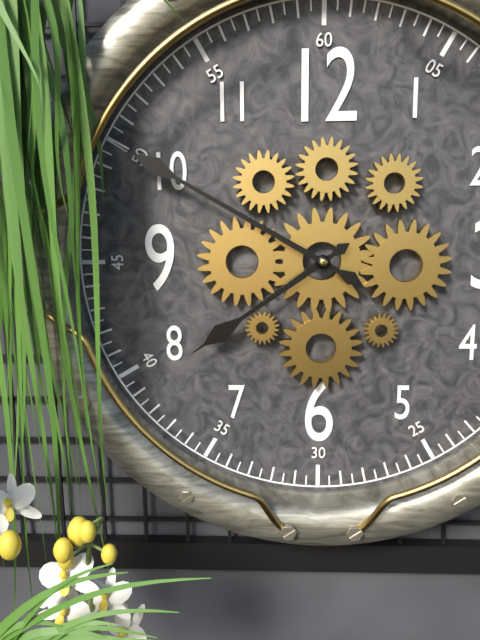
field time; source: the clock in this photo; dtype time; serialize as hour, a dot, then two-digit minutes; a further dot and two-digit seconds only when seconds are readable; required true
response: 7.50
